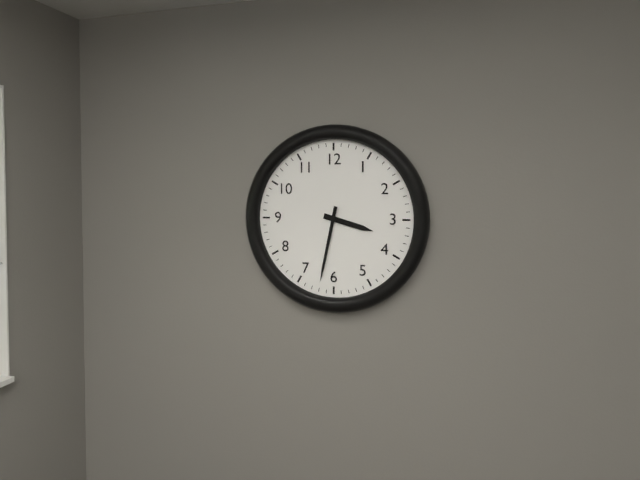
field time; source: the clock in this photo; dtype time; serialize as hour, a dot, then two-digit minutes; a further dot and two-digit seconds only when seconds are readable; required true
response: 3.32
